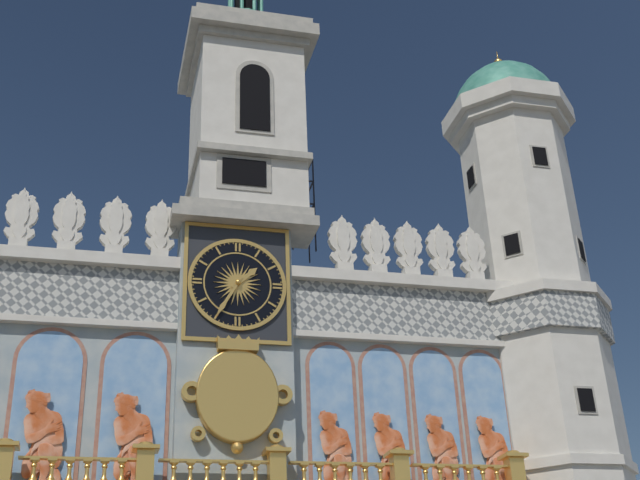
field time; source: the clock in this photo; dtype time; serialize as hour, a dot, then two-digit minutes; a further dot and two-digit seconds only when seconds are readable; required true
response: 1.35
